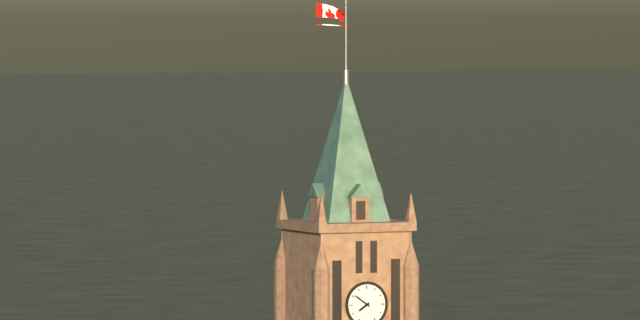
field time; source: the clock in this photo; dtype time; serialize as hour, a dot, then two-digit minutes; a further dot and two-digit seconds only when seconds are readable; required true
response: 7.51
